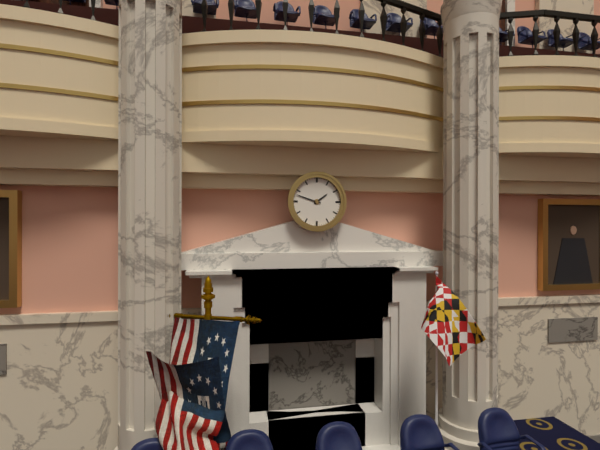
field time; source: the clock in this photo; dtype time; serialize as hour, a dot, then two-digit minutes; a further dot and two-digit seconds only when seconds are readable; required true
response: 1.48
